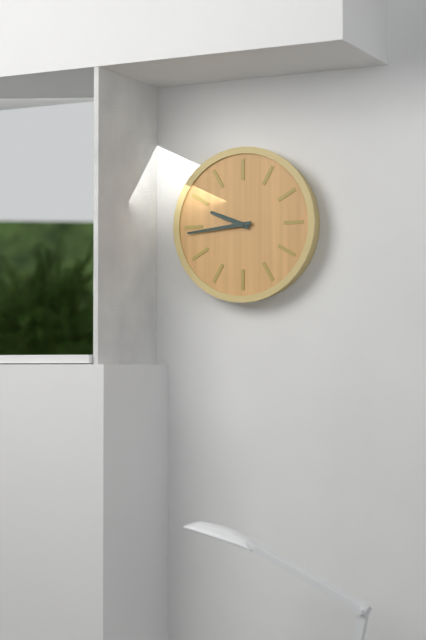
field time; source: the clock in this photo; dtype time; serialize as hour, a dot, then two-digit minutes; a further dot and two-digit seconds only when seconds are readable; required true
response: 9.44
